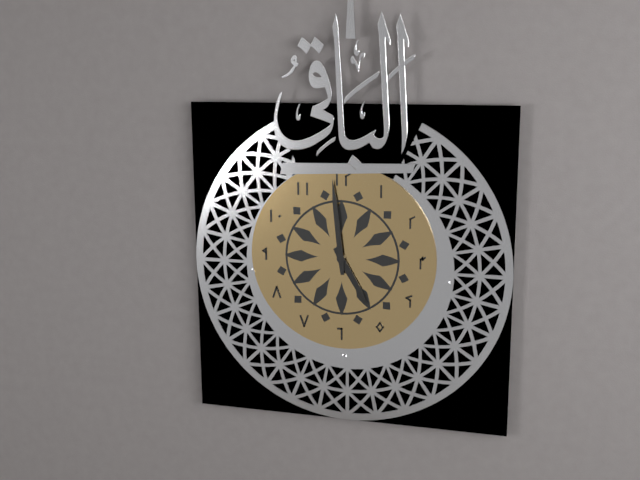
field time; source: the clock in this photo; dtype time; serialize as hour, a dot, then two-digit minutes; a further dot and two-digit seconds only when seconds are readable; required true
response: 4.59
